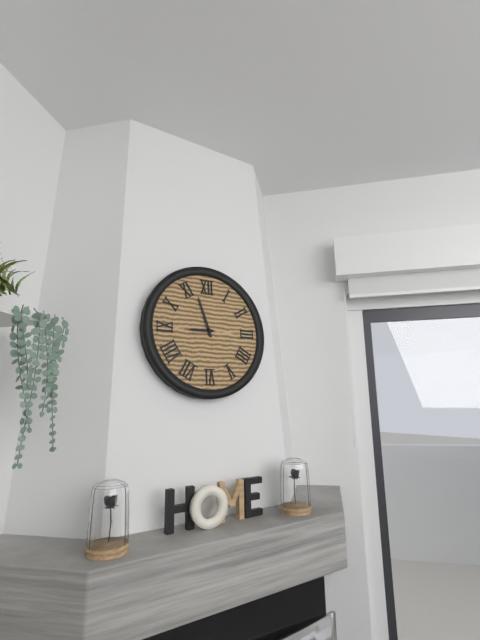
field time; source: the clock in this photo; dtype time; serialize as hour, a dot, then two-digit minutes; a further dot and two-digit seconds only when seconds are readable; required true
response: 8.57
